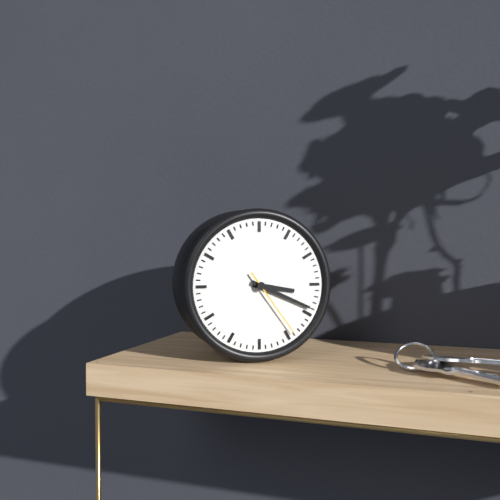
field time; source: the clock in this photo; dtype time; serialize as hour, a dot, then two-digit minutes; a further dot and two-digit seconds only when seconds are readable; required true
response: 3.19.24
